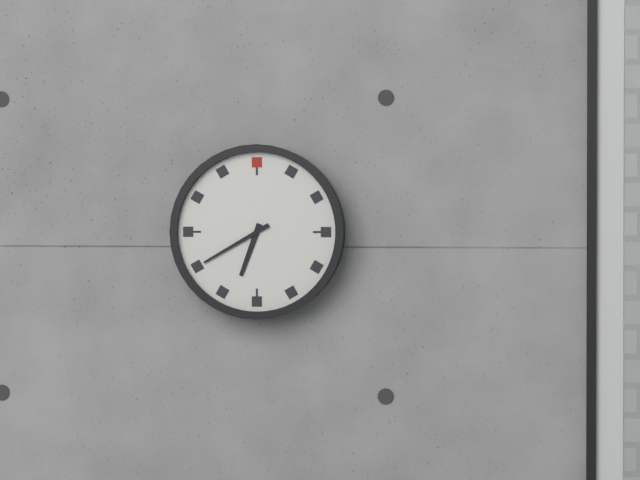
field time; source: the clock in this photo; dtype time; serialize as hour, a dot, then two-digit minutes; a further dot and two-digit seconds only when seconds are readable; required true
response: 6.40
